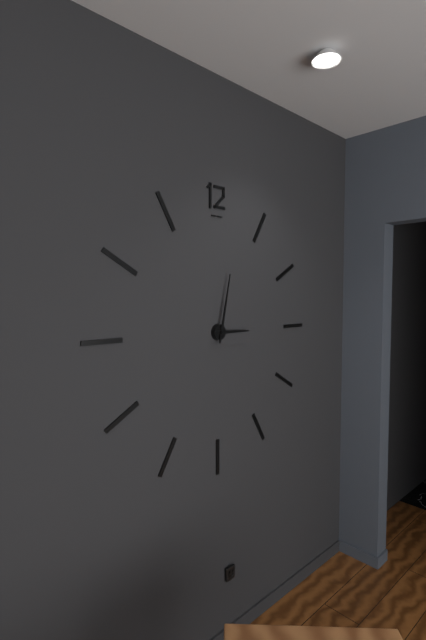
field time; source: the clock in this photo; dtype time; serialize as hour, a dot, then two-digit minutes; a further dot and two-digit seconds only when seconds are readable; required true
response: 3.02
